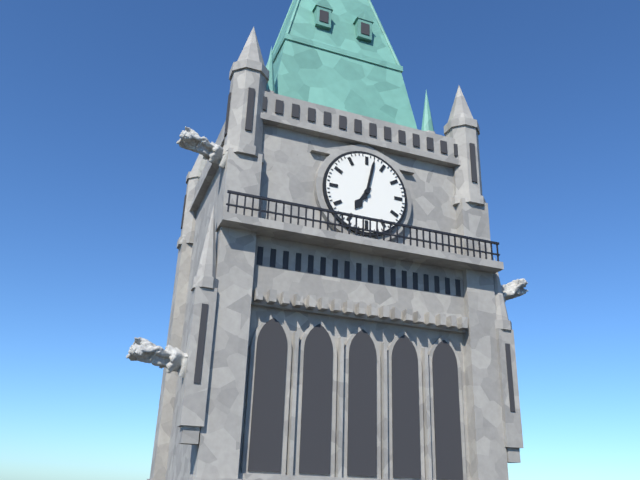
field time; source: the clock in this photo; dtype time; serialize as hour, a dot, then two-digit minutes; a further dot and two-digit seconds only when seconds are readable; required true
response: 7.02
